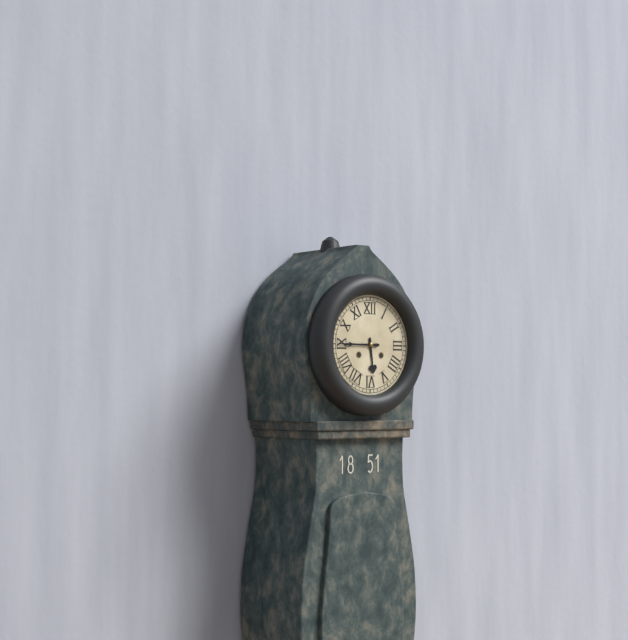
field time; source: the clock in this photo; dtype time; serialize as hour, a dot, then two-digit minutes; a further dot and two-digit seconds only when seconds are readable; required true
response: 5.45
